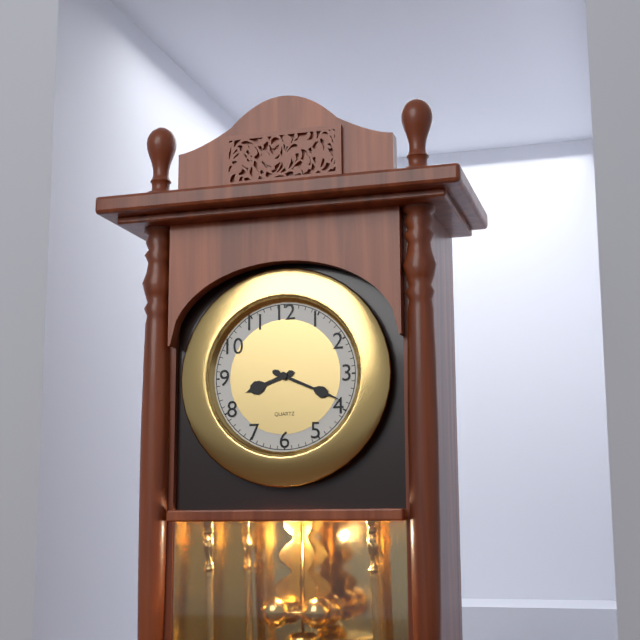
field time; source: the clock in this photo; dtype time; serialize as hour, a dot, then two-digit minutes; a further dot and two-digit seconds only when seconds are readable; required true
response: 8.19
